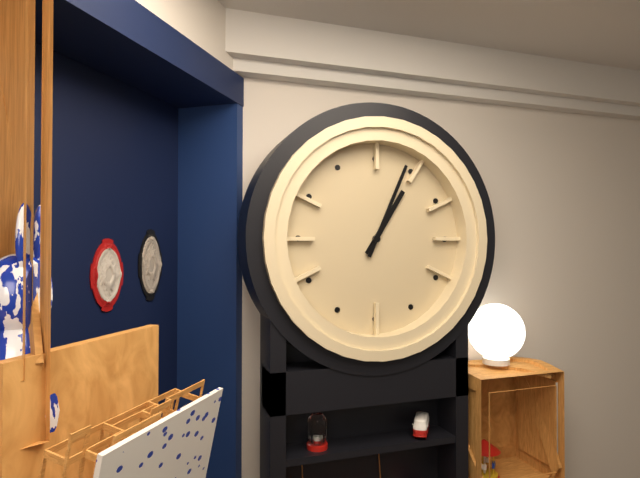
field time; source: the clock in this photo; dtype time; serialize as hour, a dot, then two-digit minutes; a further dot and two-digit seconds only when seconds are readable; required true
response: 1.04
